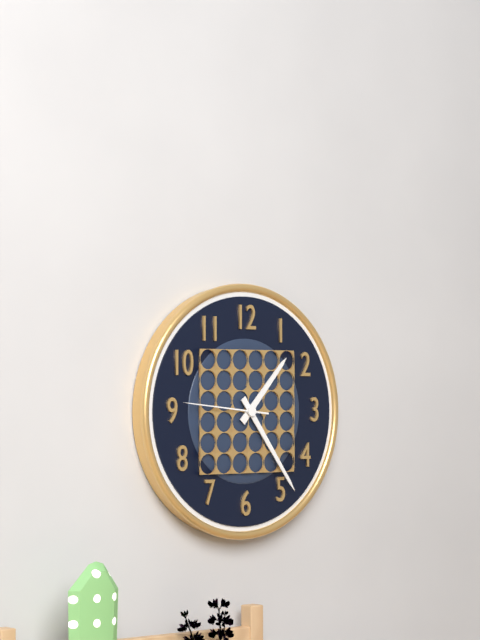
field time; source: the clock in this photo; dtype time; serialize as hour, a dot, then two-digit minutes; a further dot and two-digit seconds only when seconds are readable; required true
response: 1.24.46
